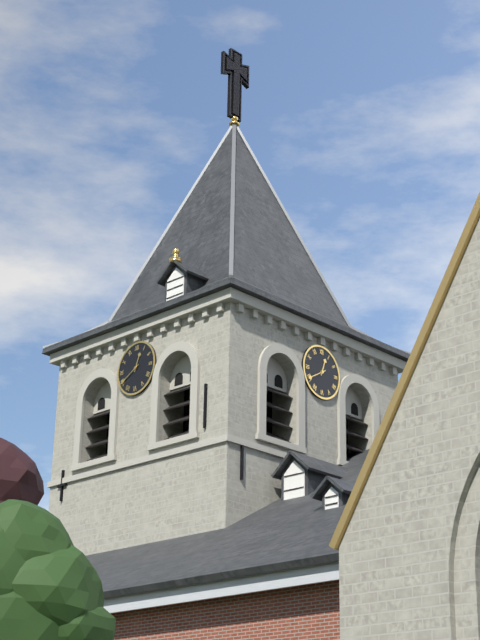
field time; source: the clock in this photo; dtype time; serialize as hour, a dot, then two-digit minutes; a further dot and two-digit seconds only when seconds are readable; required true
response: 12.40
